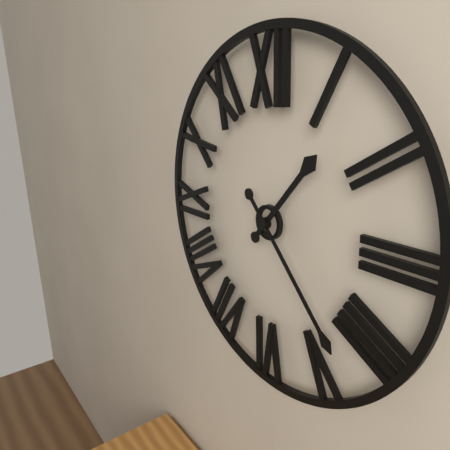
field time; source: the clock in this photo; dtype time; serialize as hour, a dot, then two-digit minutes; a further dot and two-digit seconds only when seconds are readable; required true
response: 1.23
